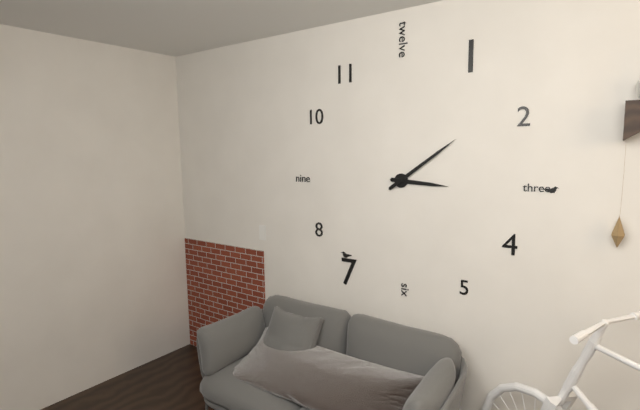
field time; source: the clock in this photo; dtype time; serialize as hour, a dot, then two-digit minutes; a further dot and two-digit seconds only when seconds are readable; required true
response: 3.09
